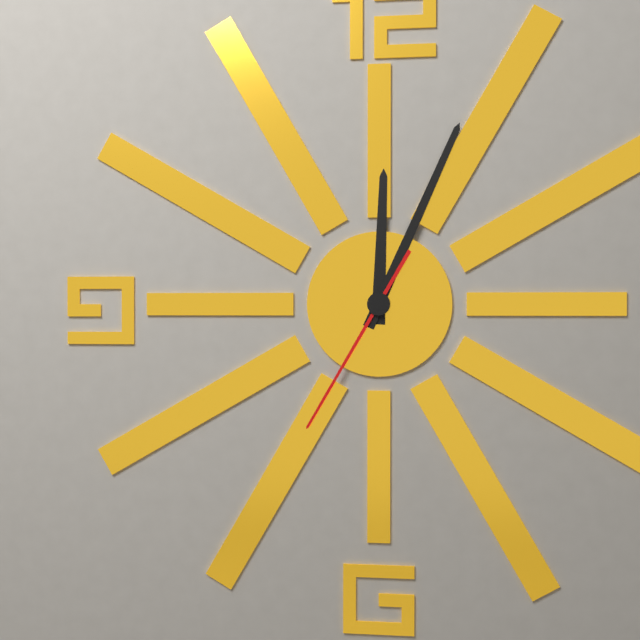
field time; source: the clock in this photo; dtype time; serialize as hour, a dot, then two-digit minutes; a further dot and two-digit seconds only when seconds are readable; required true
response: 12.04.35
